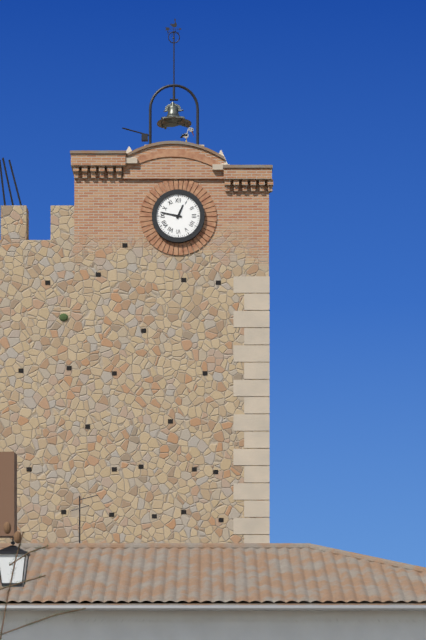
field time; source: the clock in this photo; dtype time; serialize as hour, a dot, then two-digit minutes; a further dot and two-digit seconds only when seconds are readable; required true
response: 12.47
